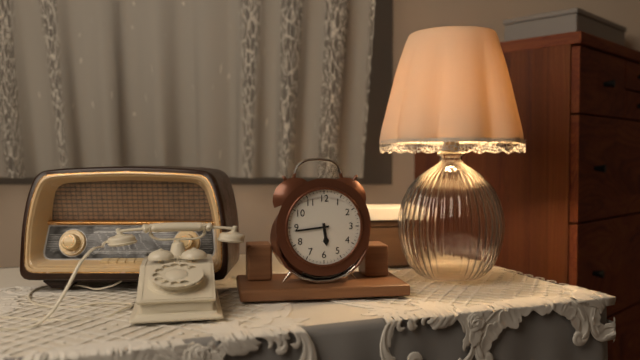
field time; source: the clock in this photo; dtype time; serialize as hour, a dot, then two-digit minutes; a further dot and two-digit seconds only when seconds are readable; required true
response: 5.44
